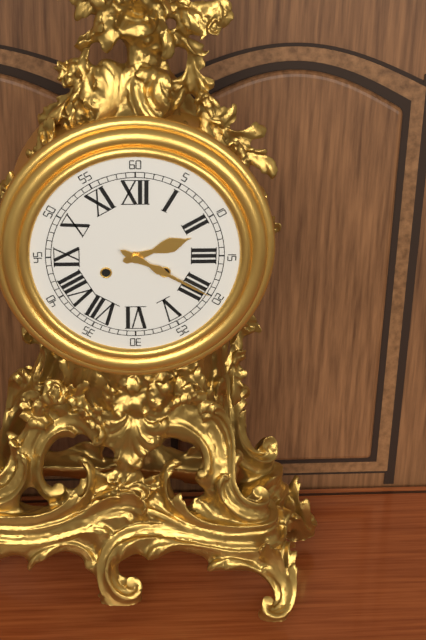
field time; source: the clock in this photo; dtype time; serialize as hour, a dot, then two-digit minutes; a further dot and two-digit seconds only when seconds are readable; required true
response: 2.20
